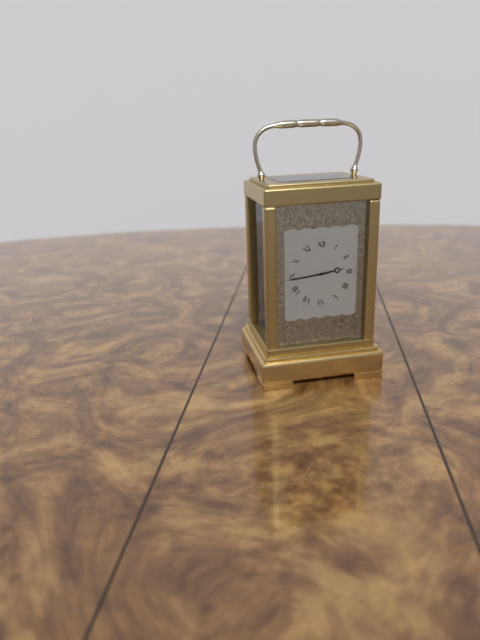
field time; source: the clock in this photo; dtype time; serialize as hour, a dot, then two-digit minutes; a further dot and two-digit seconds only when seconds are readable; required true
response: 2.44
